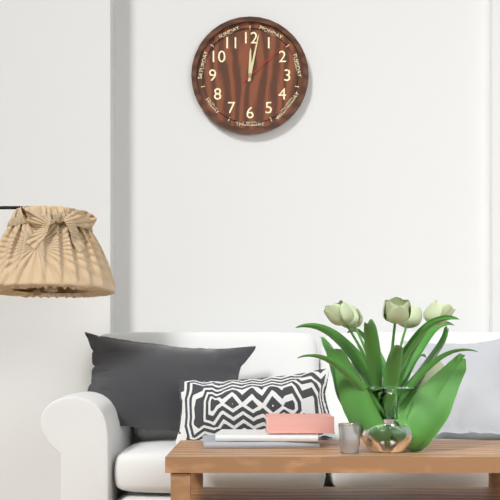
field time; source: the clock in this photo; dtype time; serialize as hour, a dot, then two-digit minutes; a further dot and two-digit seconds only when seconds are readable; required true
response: 12.02.08
